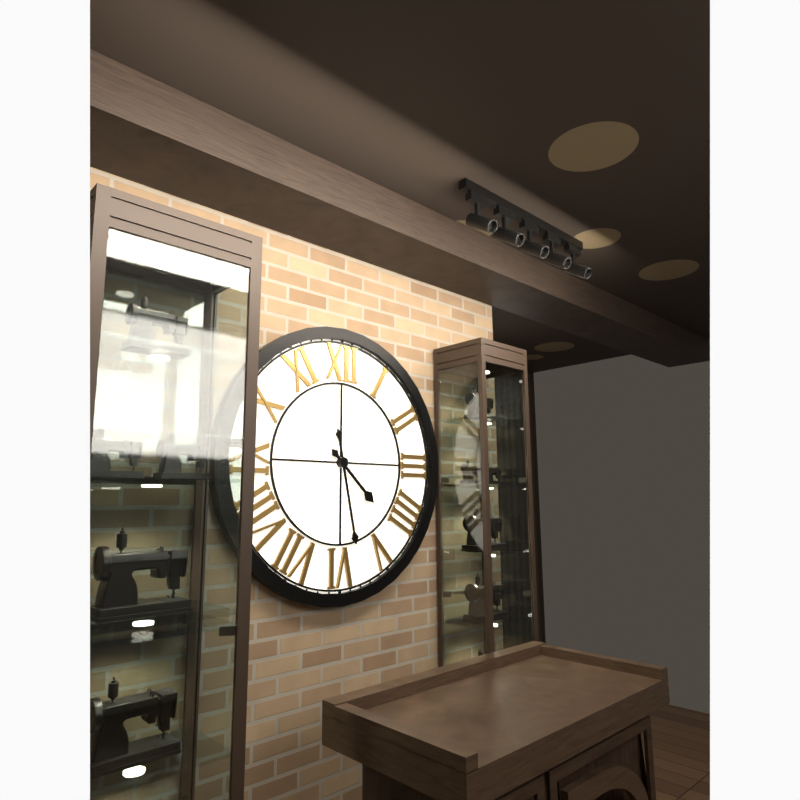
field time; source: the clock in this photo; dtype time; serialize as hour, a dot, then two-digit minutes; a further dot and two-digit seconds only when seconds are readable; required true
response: 4.28
